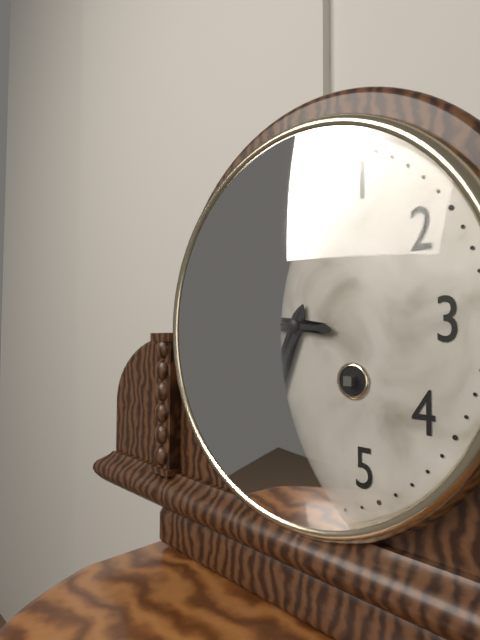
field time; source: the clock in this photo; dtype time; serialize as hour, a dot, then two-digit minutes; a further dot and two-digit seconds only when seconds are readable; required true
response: 6.46
